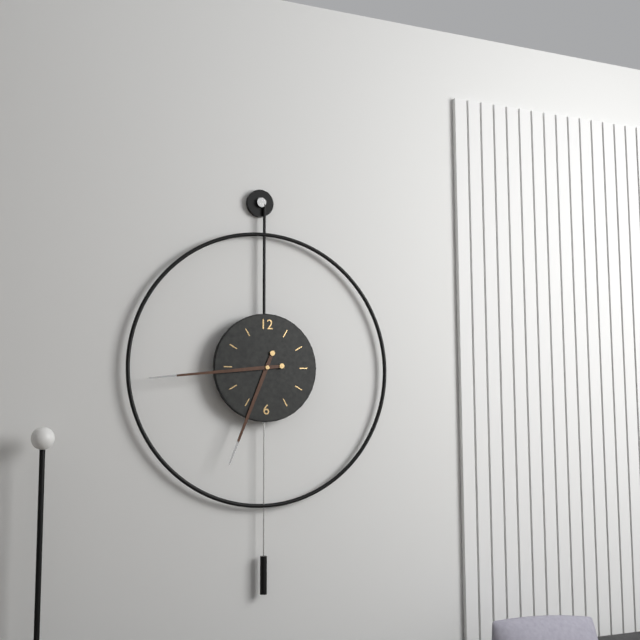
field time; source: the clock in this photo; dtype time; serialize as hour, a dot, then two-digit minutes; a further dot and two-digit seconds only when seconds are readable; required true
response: 6.44
